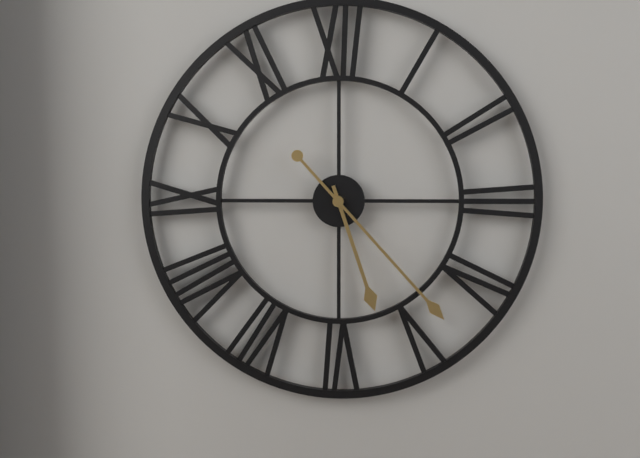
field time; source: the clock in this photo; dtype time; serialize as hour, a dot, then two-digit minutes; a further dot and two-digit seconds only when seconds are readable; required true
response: 5.23
